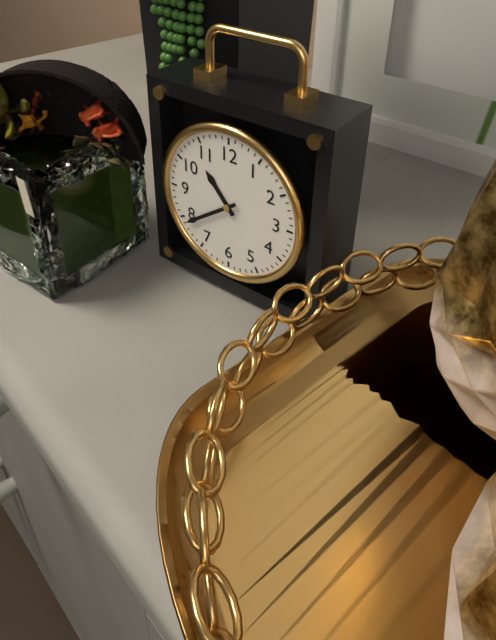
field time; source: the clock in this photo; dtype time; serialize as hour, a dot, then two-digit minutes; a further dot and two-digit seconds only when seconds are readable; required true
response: 10.39
